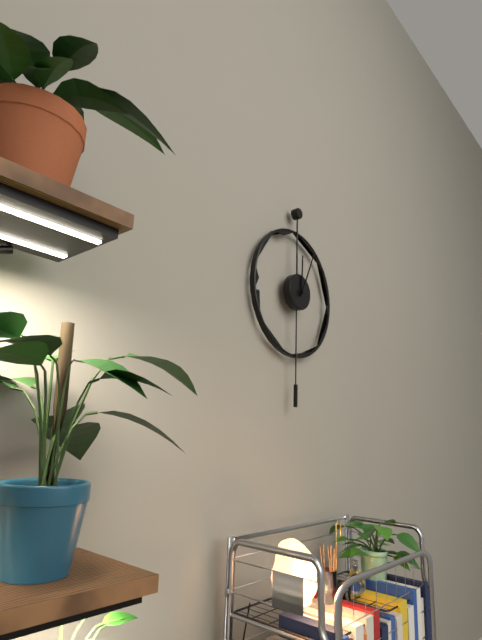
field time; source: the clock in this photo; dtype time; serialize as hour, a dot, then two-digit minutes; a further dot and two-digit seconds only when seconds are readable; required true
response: 12.04
